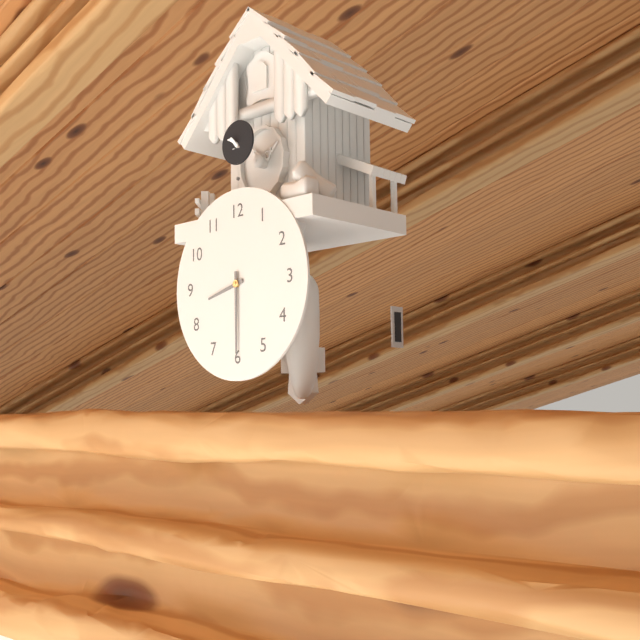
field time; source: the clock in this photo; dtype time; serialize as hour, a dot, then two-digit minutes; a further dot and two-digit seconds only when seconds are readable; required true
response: 8.30
